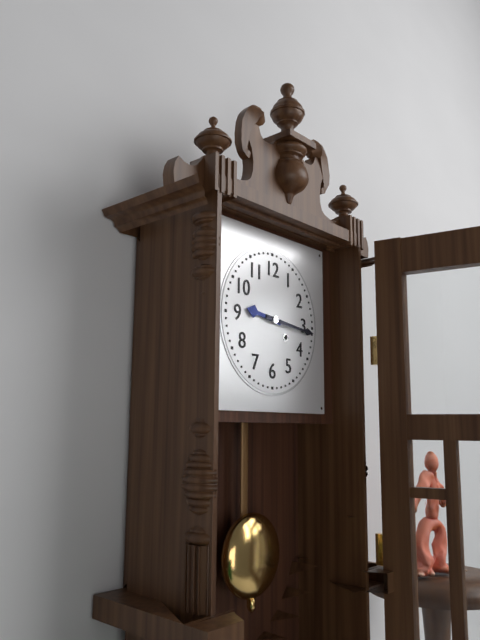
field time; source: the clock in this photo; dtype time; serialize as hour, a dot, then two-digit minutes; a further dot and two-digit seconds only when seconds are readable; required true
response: 9.16
